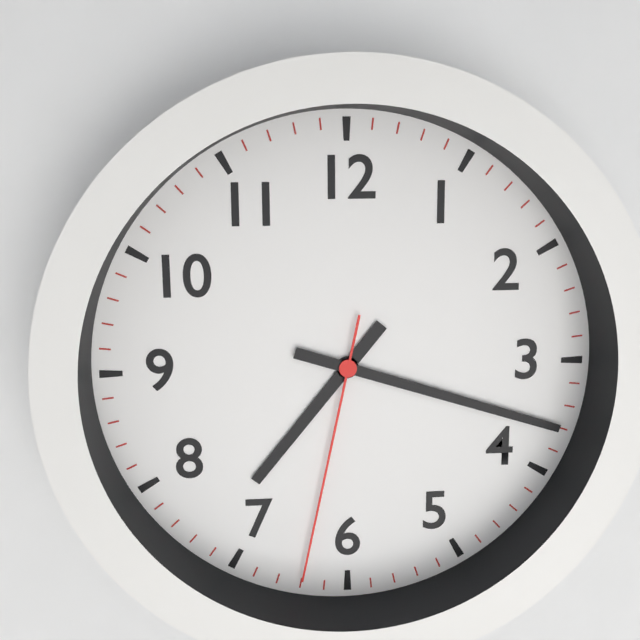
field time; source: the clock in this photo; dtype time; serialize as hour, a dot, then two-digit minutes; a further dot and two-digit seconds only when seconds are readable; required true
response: 7.18.32
